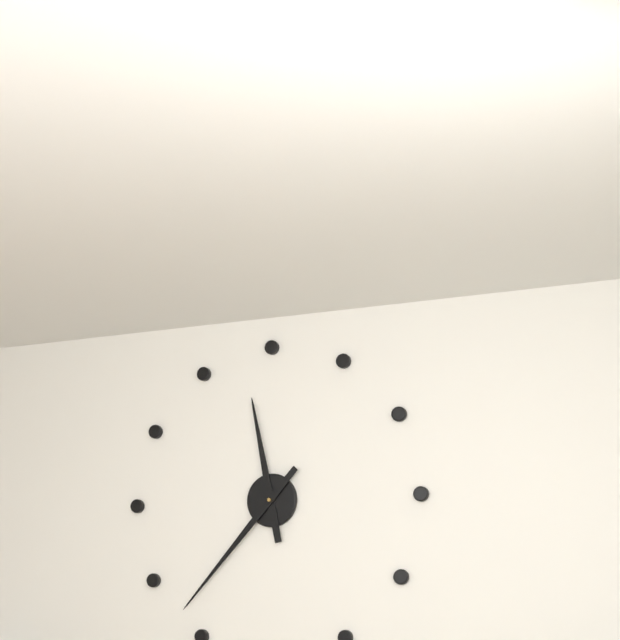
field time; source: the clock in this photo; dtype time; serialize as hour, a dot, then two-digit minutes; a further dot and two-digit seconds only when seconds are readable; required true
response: 11.37
